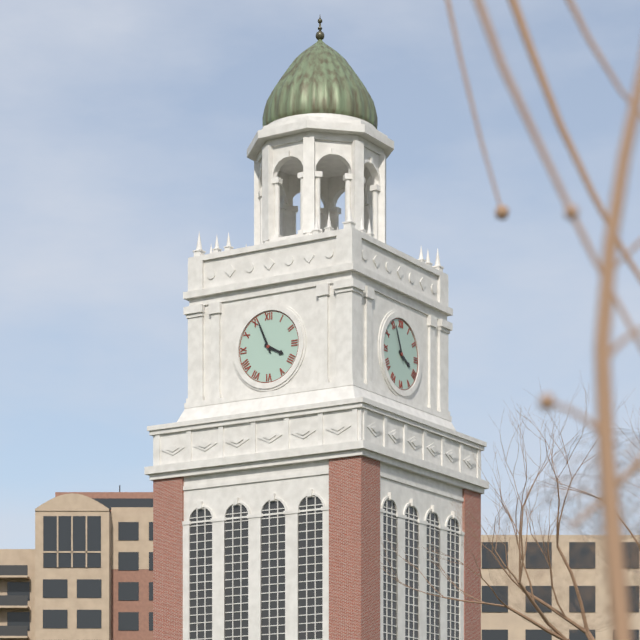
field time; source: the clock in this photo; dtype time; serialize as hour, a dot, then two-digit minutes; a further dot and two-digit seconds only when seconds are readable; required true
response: 3.56
